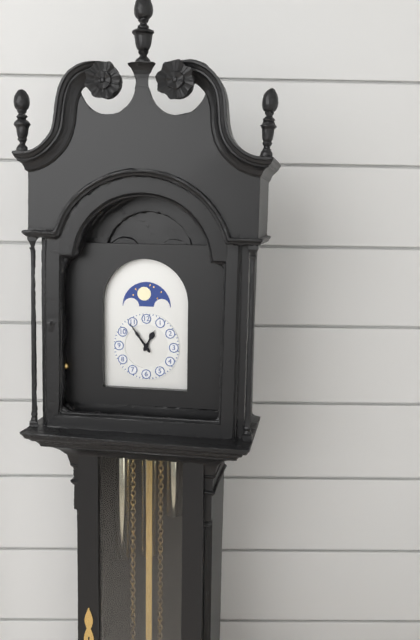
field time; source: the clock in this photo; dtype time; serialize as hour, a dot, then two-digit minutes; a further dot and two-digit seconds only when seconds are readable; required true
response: 12.54
